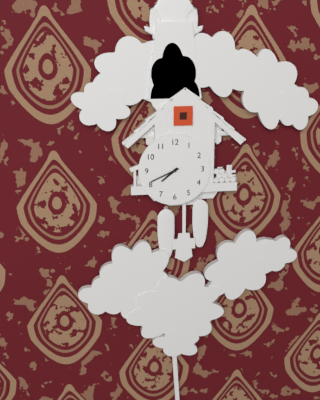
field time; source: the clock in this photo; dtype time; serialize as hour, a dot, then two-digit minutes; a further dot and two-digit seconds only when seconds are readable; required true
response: 7.41
